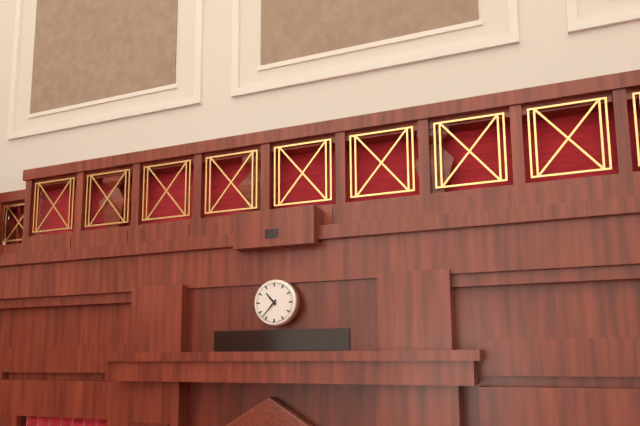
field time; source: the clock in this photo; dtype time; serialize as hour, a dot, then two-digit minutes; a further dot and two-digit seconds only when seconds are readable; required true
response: 10.37
